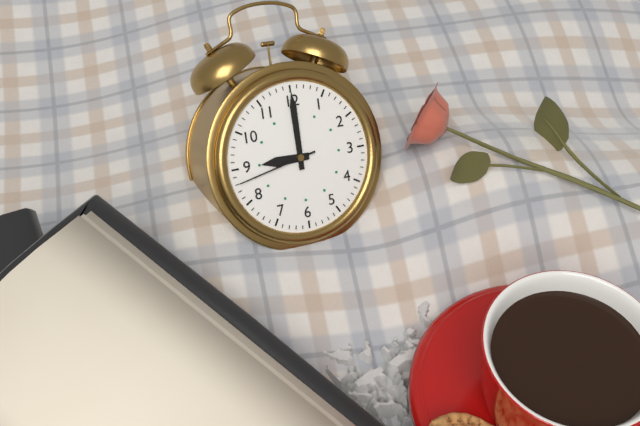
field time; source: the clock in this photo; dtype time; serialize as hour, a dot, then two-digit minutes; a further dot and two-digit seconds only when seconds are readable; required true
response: 9.00.43
